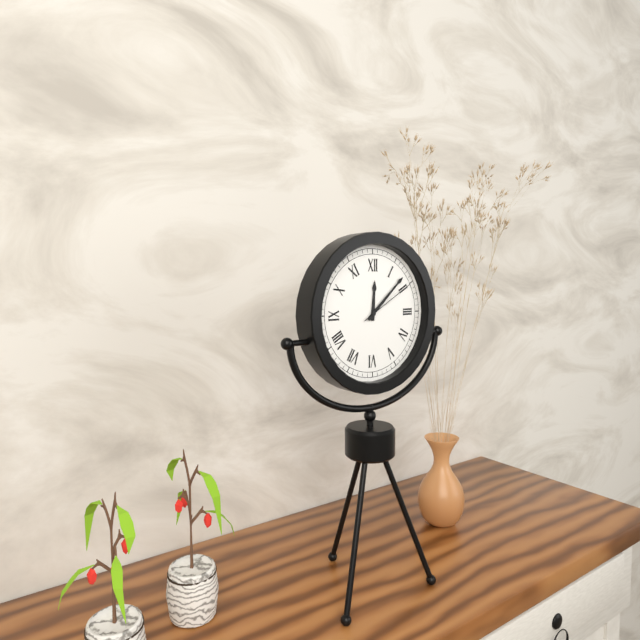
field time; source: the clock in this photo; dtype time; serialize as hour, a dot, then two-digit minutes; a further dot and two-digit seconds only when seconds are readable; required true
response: 12.08.10
